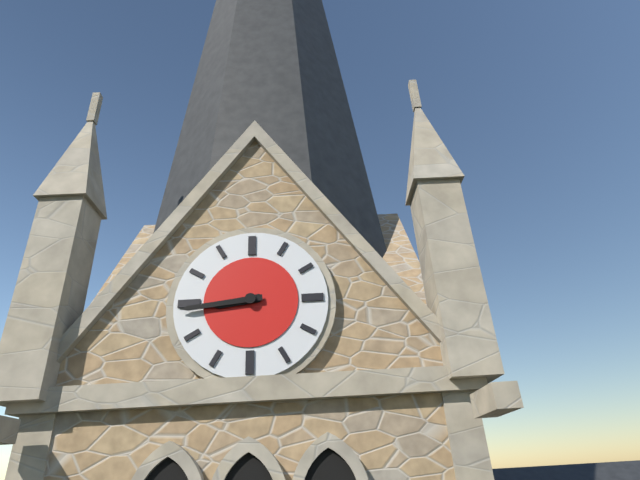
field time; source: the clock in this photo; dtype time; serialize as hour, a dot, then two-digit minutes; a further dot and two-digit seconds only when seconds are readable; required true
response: 8.44
